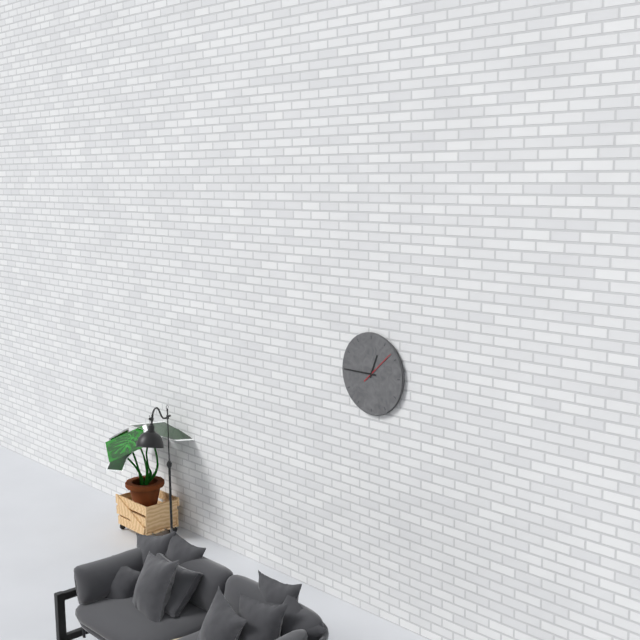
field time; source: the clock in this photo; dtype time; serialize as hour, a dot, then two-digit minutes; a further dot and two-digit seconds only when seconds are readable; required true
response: 12.45
